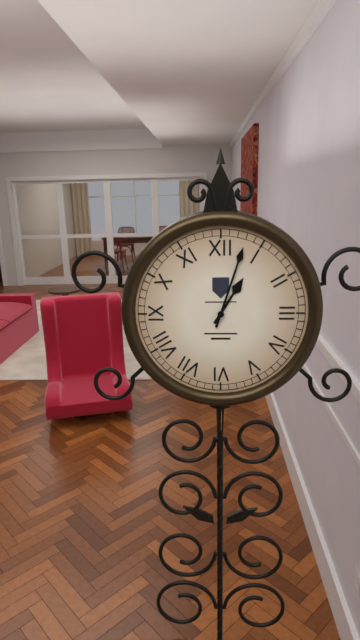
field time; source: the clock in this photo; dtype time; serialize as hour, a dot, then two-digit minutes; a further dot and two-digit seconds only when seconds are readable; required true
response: 1.03
